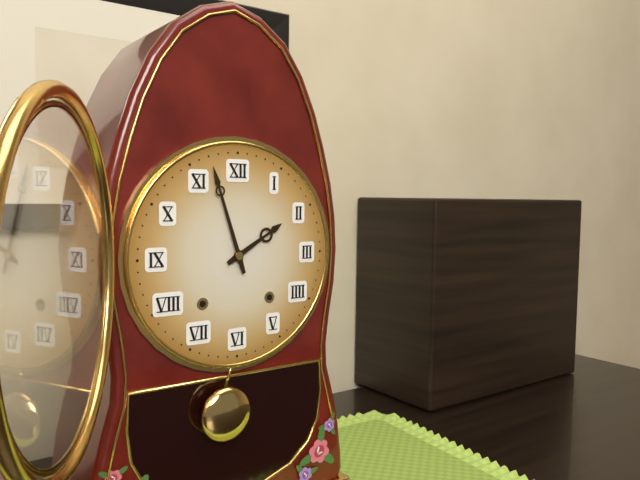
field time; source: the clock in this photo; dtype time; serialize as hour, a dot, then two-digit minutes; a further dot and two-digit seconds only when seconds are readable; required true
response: 1.57
